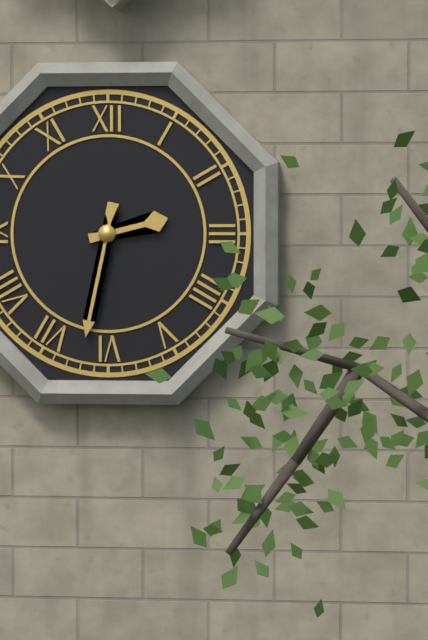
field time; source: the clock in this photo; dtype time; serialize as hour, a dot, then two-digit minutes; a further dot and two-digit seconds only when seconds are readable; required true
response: 2.32
